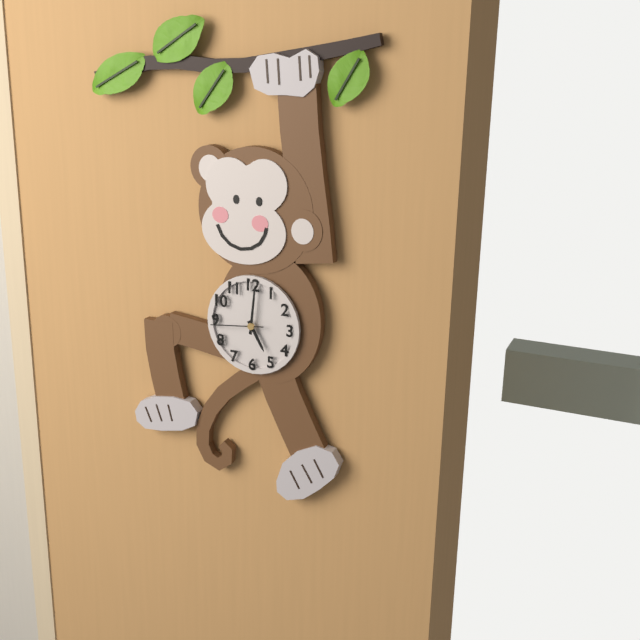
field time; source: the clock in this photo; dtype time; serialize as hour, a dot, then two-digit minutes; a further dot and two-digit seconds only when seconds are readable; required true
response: 5.01.44
